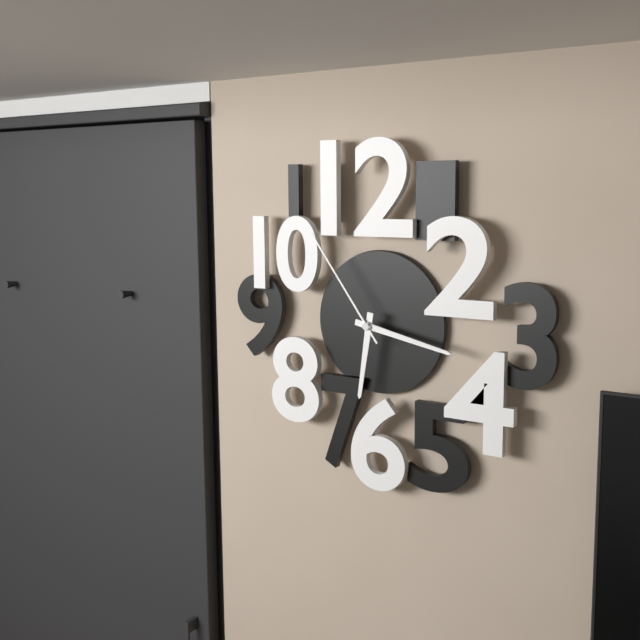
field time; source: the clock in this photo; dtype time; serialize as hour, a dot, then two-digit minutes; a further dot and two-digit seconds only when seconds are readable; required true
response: 6.17.54
